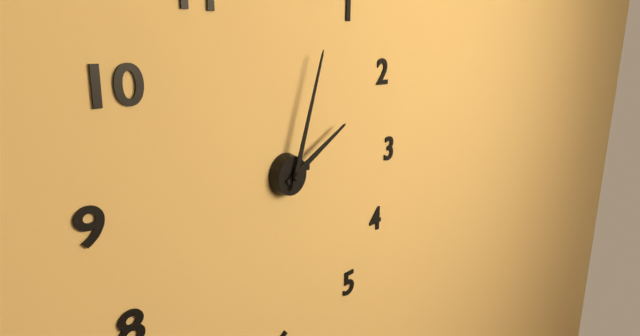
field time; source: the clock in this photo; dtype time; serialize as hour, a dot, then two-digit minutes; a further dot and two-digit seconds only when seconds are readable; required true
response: 2.03
